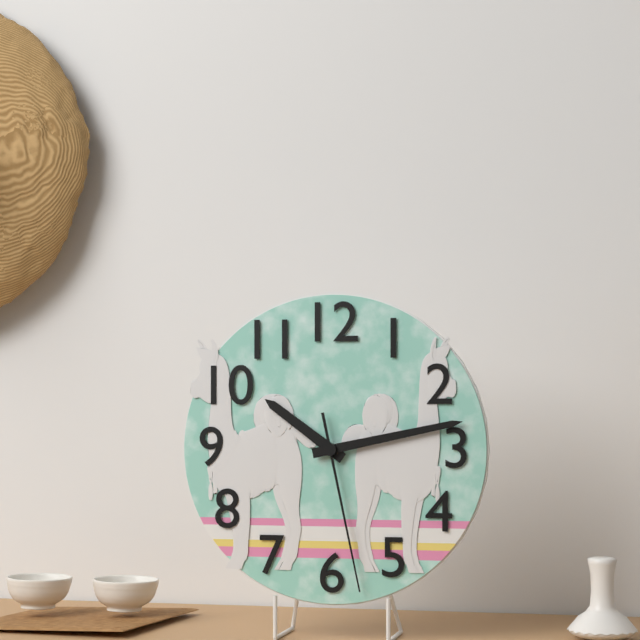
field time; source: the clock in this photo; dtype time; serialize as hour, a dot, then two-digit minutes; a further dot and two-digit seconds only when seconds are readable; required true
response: 10.13.28
